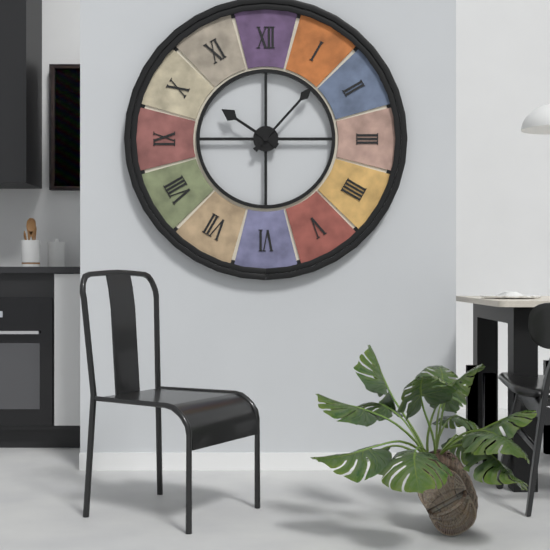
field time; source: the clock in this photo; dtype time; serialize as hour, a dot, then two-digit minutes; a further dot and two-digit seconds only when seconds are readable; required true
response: 10.07
